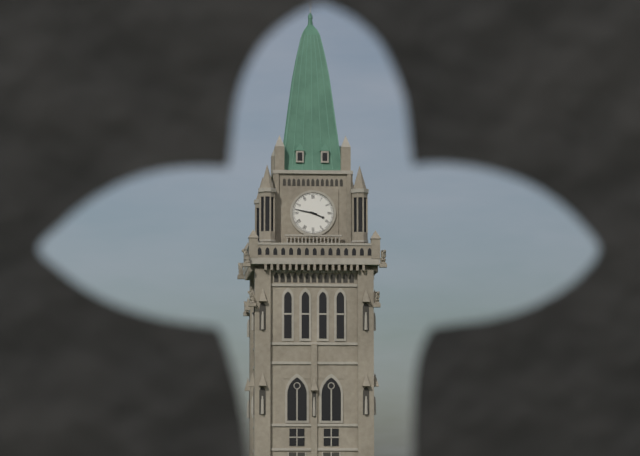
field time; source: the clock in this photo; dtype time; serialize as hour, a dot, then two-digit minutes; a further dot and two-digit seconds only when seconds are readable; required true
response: 3.47
